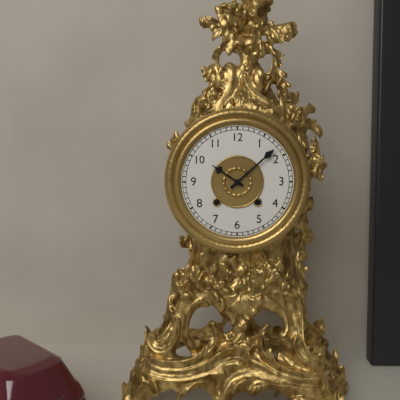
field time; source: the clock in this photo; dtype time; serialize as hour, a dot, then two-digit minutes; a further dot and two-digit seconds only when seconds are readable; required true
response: 10.08
